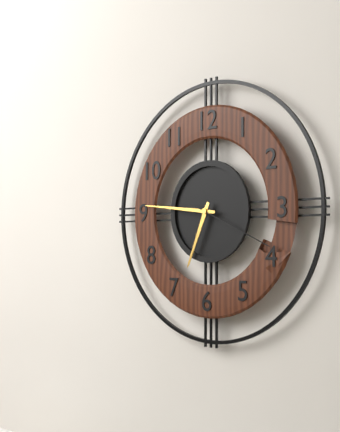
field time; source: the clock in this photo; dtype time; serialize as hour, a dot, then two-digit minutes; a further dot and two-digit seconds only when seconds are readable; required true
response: 6.46.19
